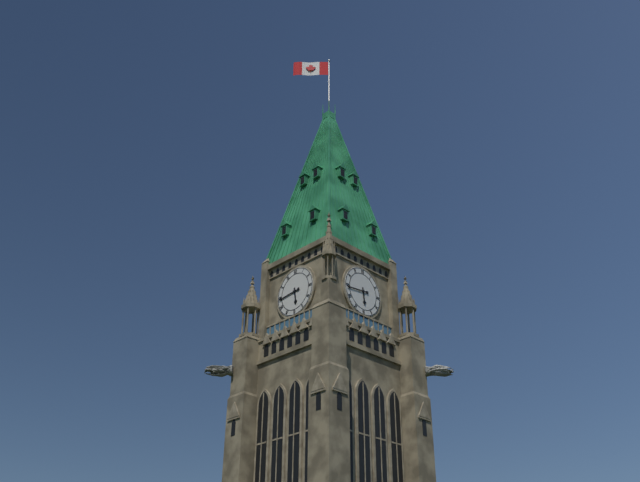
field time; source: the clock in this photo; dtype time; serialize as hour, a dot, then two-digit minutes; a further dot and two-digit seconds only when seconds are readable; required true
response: 5.44
